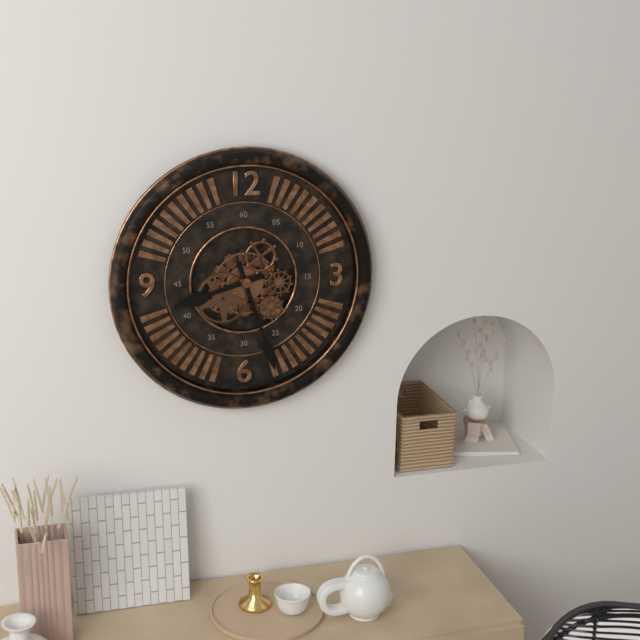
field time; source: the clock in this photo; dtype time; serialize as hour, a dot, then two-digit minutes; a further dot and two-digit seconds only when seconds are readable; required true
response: 8.27
